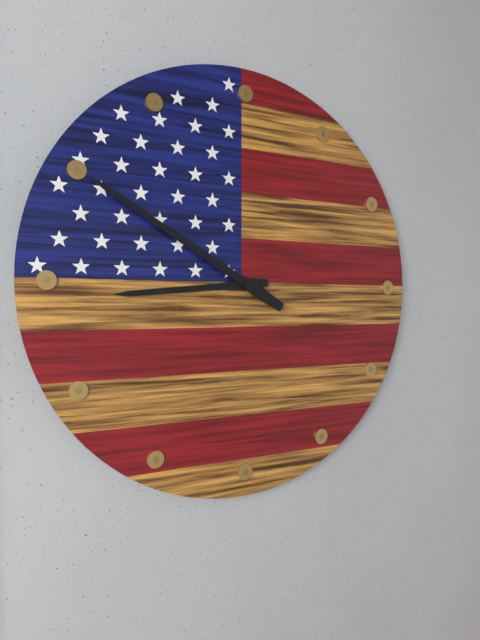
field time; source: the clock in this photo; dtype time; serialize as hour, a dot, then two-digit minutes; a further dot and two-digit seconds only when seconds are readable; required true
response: 8.50
